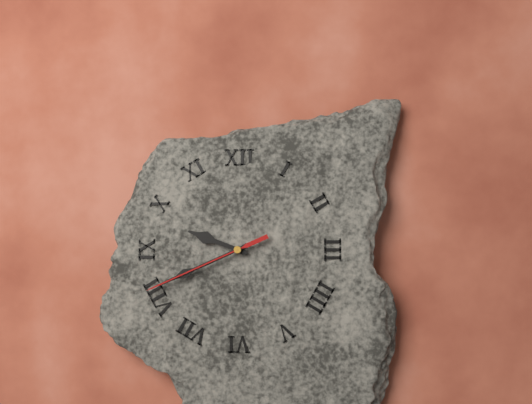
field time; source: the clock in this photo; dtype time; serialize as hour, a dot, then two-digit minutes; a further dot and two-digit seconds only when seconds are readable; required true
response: 9.41.41
